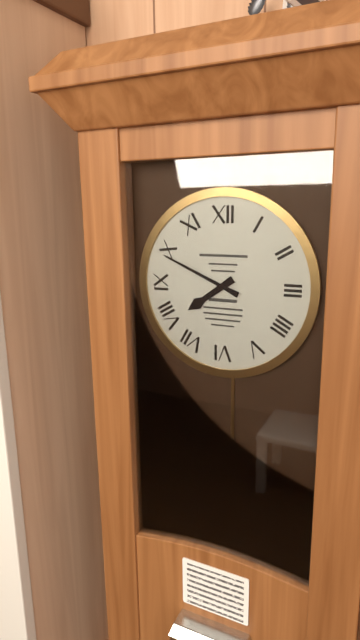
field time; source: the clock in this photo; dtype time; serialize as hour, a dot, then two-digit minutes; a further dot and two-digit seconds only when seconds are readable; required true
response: 7.49
